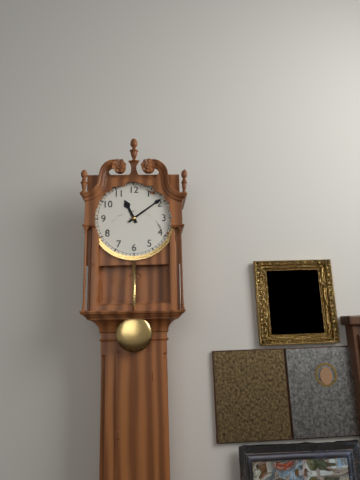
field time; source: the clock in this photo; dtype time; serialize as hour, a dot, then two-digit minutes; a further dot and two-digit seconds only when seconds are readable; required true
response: 11.09
